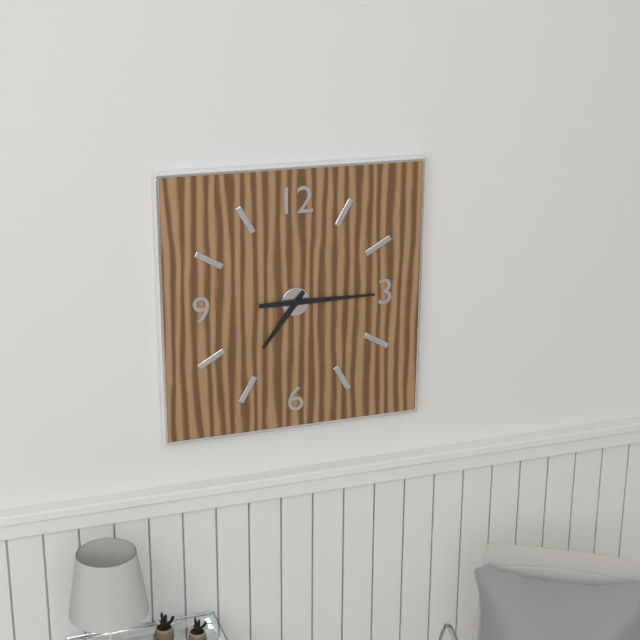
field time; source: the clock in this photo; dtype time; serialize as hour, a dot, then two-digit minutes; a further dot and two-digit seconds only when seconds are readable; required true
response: 7.15
